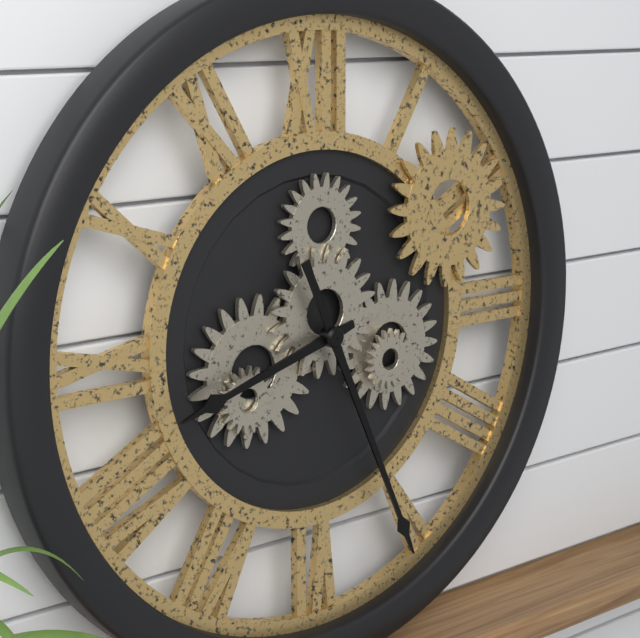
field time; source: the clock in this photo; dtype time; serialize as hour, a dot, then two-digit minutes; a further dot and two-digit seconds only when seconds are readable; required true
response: 8.26
